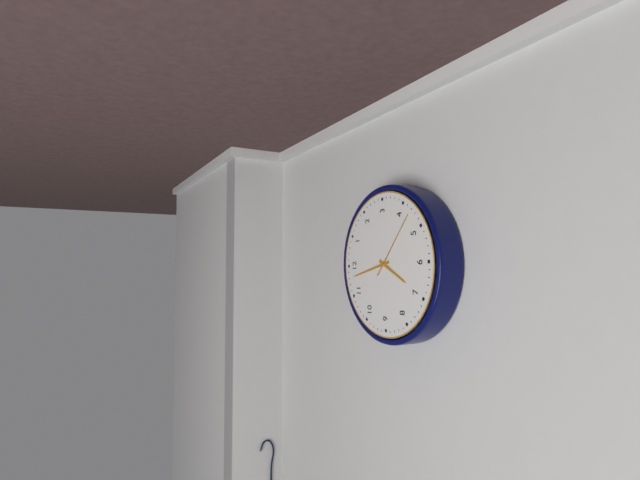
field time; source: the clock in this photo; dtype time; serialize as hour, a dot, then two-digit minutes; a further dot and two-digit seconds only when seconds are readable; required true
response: 6.58.22
